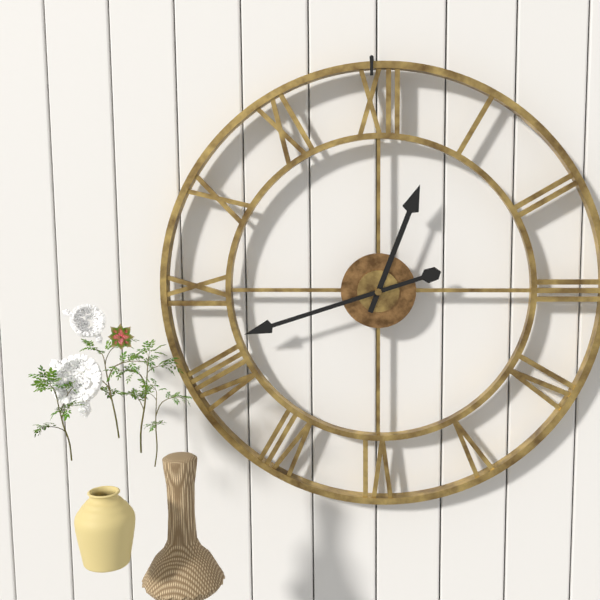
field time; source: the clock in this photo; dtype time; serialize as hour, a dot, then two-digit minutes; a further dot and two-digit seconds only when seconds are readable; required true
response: 12.42
